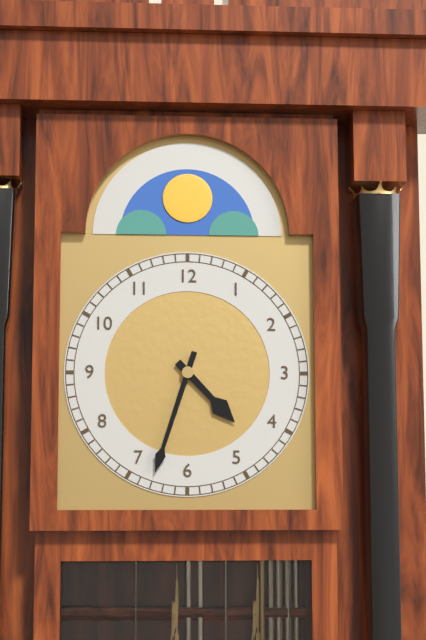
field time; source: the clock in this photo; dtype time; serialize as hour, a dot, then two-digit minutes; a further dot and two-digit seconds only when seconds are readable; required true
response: 4.33
